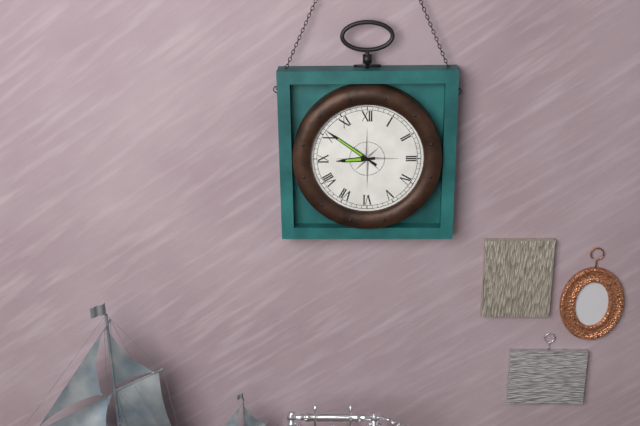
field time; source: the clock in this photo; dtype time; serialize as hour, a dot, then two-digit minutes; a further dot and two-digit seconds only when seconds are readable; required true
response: 8.51
